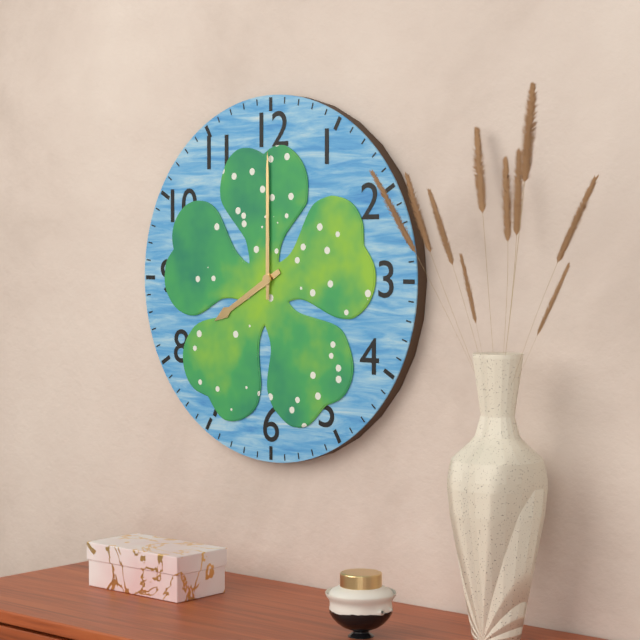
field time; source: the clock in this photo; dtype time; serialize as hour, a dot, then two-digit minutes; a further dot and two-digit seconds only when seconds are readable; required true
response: 8.00
